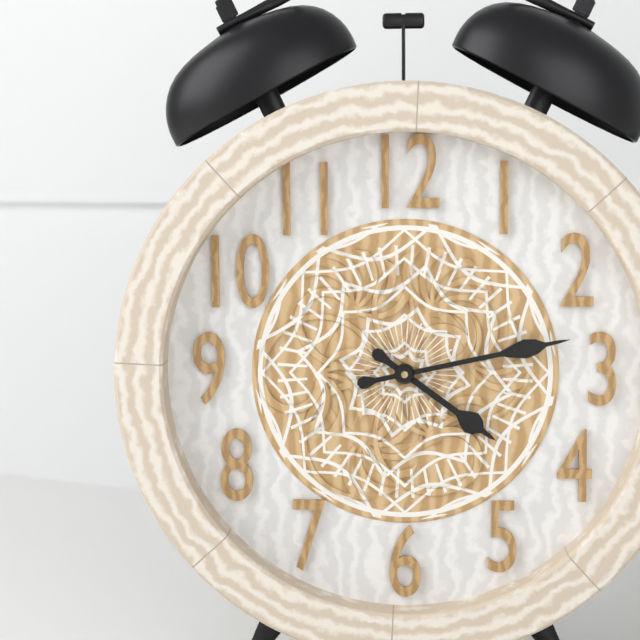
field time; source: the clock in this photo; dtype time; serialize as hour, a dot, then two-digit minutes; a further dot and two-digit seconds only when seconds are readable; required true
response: 4.13
